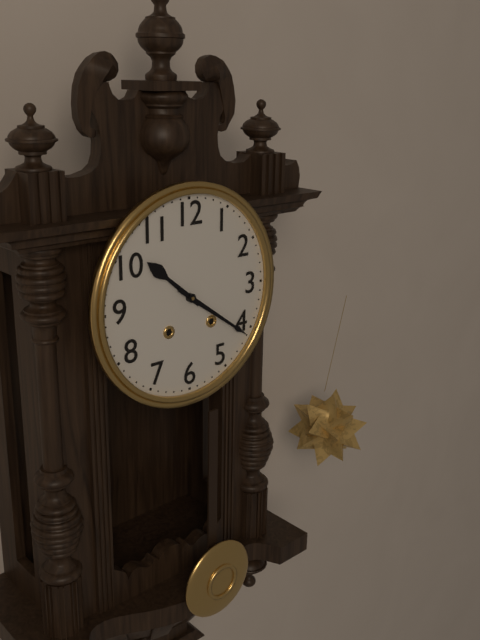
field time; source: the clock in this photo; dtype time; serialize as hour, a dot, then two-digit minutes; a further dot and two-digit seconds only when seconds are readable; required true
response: 10.21
